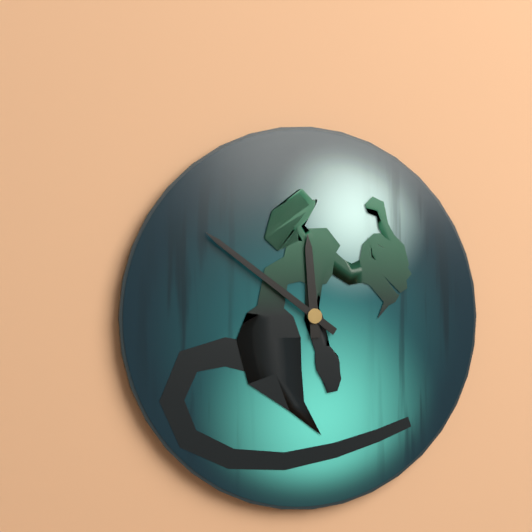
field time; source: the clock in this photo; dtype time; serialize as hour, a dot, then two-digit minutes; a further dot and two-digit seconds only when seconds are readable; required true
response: 11.51
